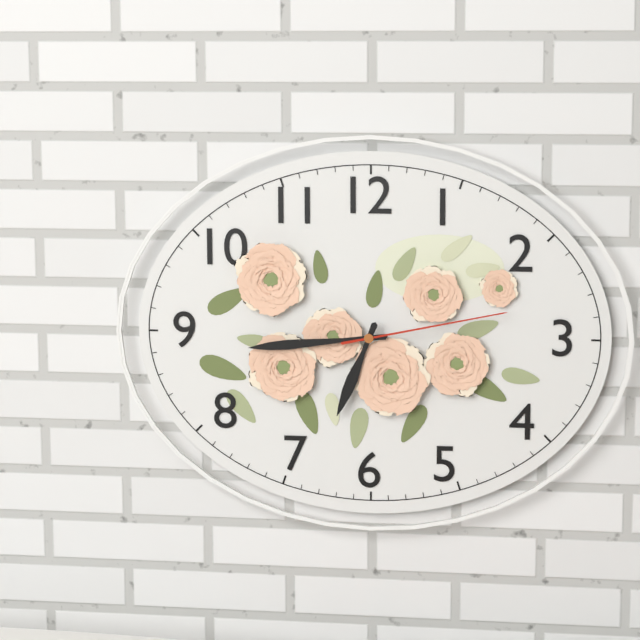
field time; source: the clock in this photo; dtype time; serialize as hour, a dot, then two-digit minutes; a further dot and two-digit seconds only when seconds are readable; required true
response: 6.44.13
